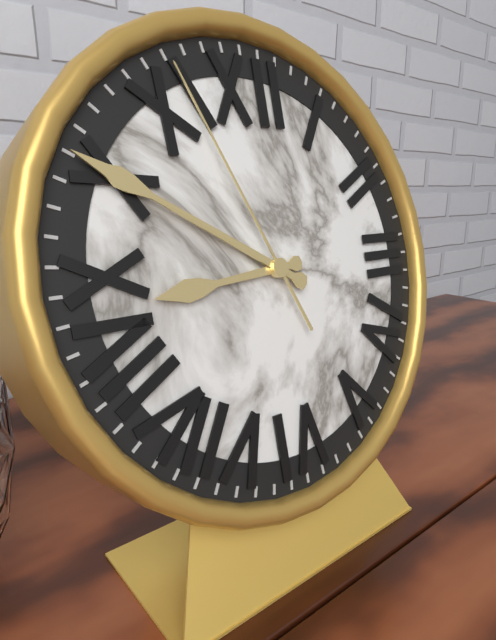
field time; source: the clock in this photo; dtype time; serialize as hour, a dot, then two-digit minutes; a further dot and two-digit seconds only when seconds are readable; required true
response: 8.50.56
